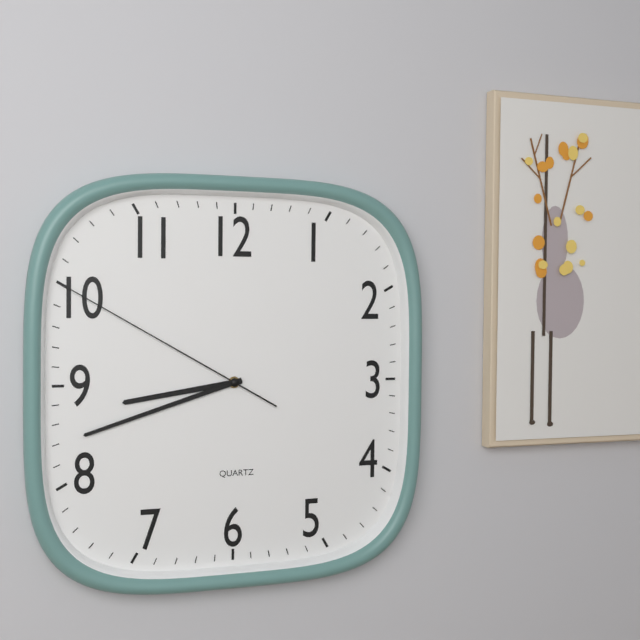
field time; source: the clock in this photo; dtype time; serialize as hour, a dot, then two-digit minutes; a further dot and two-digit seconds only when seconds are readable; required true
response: 8.42.50
